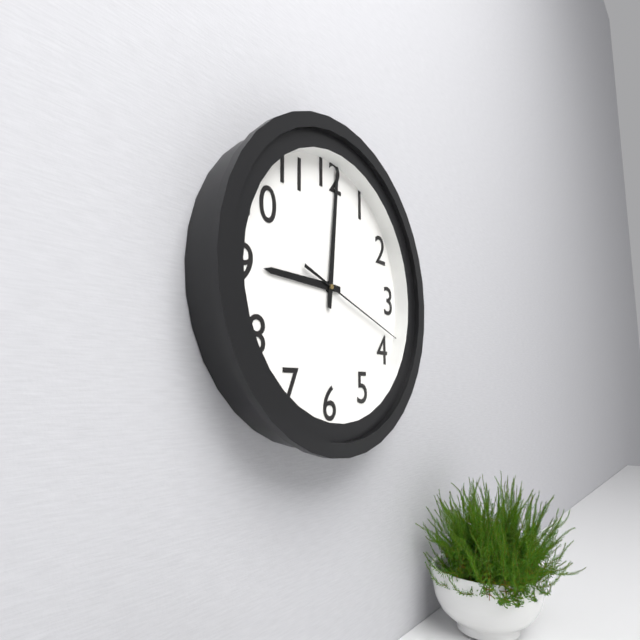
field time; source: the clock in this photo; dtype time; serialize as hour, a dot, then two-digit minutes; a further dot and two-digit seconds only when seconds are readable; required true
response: 9.01.18
